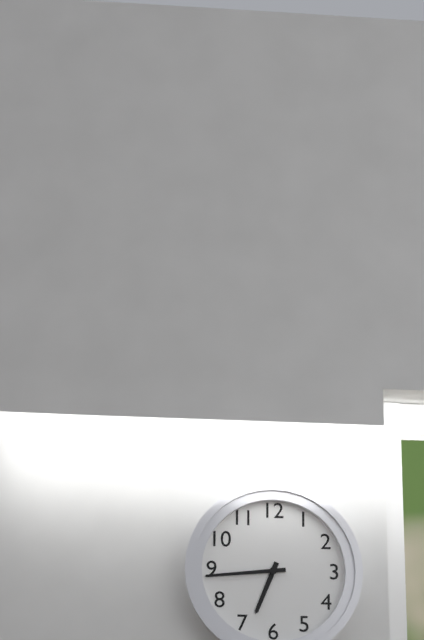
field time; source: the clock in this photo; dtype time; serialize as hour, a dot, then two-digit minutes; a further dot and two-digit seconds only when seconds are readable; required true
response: 6.44
